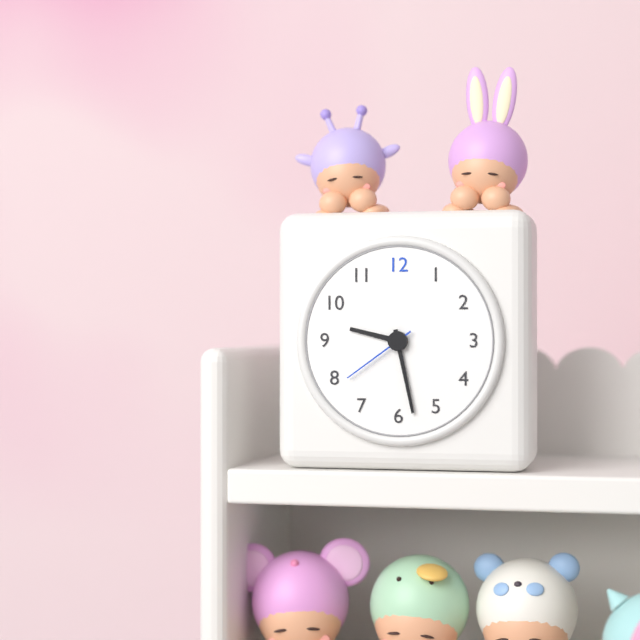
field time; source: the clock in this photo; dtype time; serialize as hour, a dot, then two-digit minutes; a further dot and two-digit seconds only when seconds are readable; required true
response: 9.28.39
